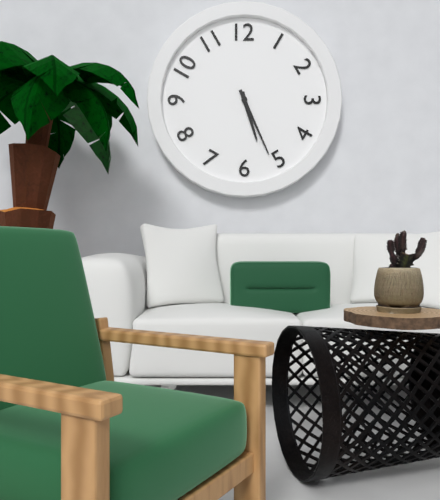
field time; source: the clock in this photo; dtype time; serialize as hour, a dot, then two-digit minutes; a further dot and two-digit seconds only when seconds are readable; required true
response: 5.26
